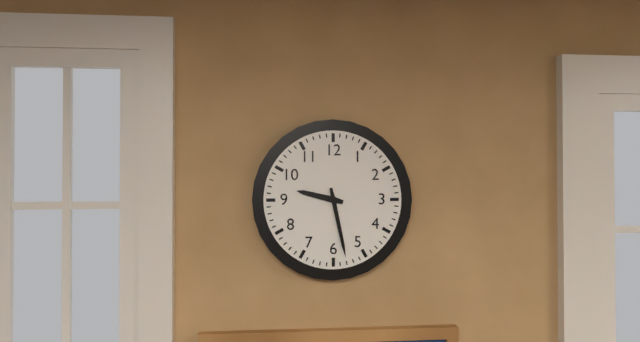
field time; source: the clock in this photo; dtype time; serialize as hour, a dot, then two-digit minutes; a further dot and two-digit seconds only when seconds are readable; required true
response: 9.28
